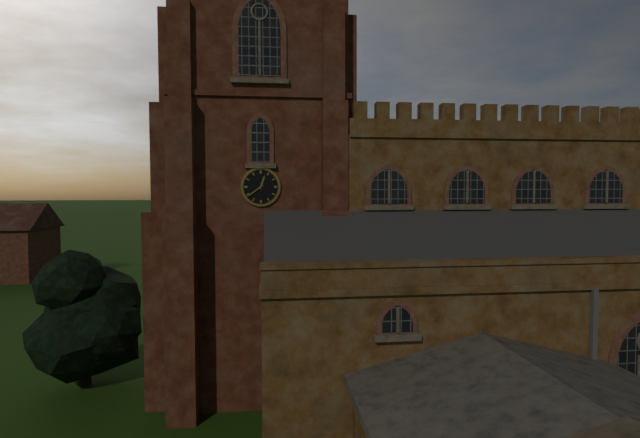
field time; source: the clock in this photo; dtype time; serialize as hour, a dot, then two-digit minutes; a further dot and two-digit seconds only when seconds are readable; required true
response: 12.39
